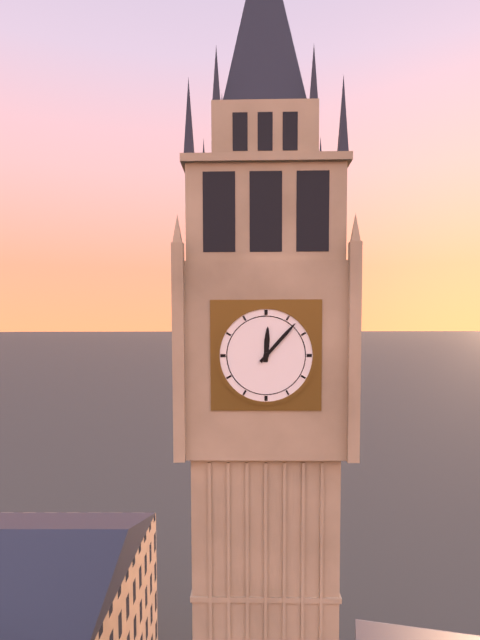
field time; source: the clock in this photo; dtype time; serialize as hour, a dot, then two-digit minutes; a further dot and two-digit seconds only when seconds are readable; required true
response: 12.07
